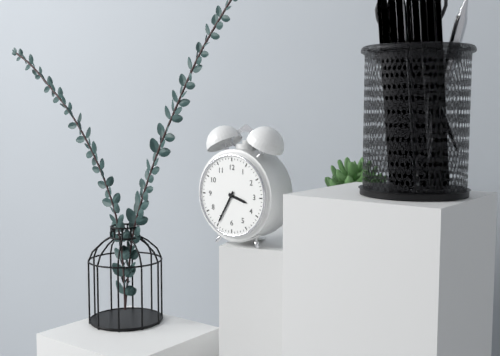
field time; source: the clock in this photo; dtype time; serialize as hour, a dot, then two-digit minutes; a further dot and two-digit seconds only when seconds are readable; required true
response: 3.35
